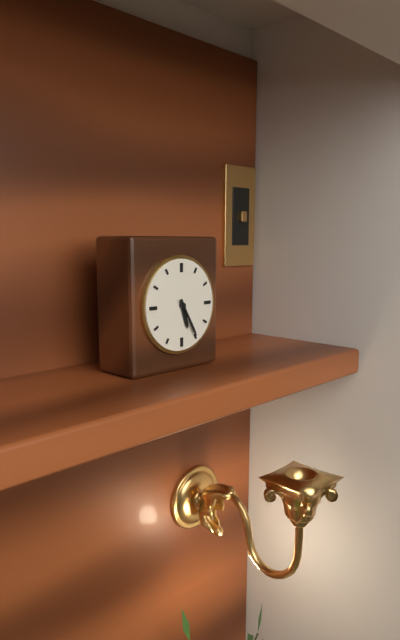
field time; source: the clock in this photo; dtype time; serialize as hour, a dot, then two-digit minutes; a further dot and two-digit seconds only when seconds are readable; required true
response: 5.25
